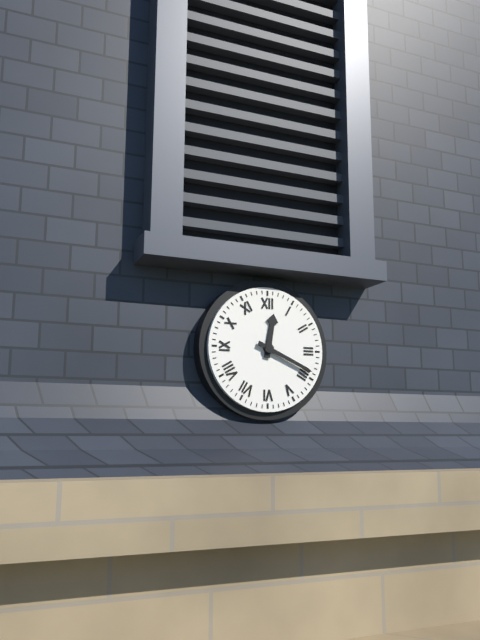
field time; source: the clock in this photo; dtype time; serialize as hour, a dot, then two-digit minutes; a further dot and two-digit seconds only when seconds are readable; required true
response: 12.19
